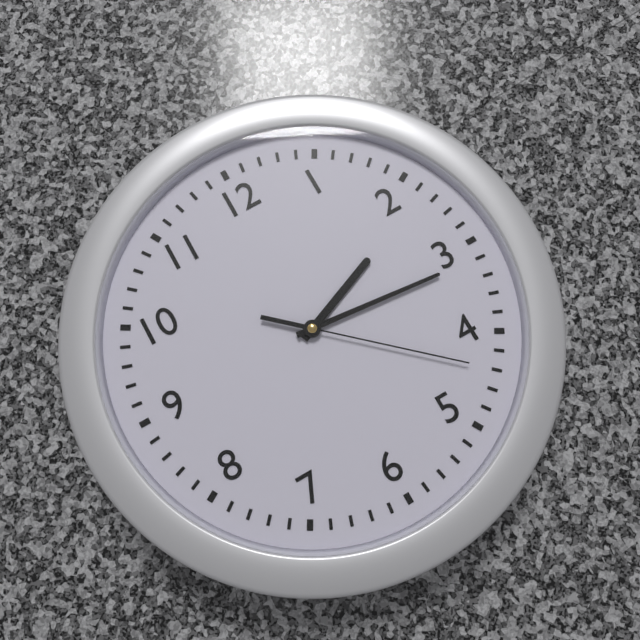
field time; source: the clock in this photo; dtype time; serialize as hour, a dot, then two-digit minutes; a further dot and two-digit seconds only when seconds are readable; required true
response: 2.16.22
